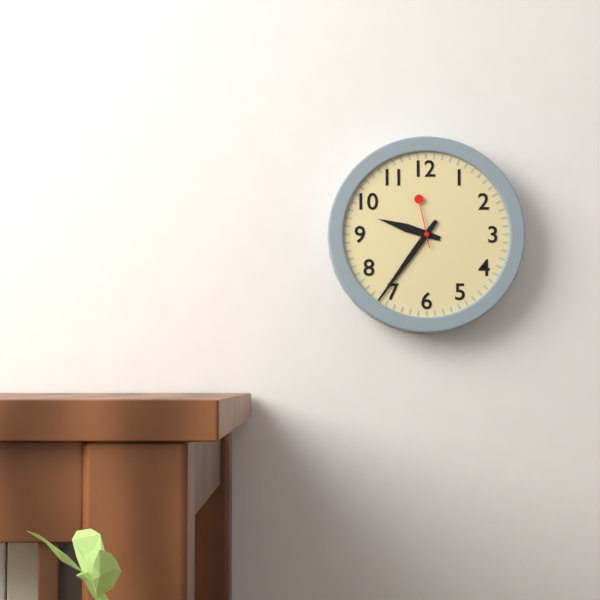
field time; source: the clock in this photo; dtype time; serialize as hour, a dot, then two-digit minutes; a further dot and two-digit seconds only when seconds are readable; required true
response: 9.36.58
